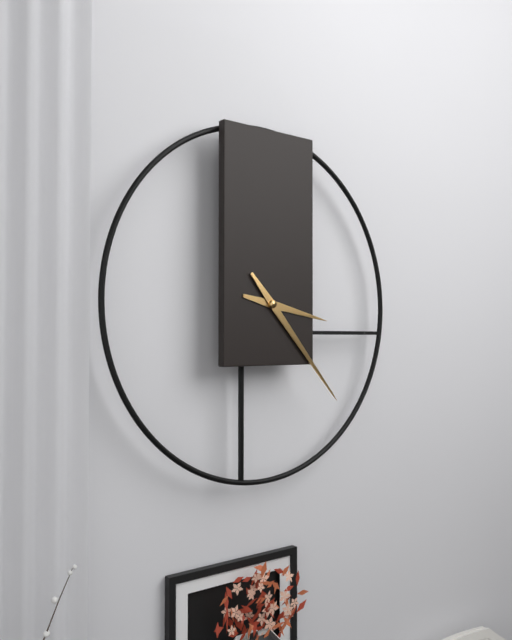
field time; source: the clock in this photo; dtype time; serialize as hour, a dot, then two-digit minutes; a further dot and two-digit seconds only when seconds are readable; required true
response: 3.23
